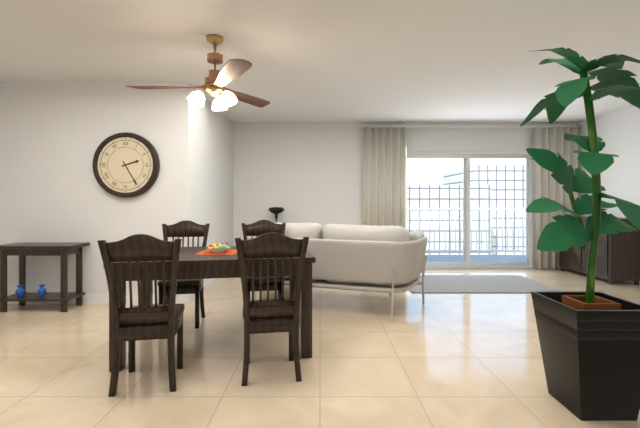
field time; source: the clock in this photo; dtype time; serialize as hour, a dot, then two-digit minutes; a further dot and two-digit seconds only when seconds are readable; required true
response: 2.25
